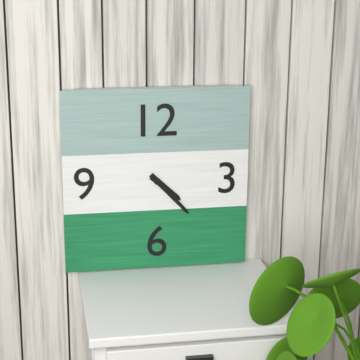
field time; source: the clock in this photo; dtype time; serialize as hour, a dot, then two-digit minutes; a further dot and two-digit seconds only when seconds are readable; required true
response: 4.23
